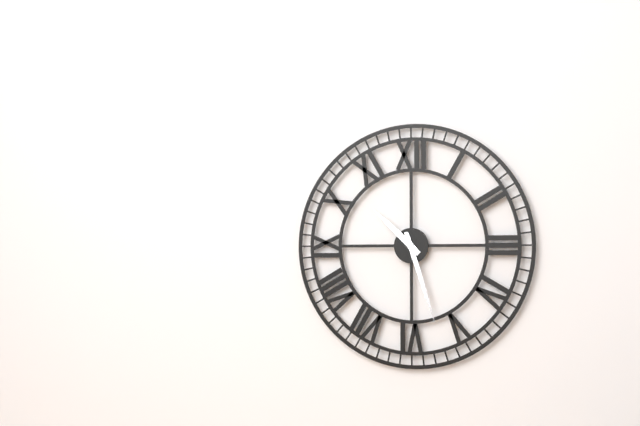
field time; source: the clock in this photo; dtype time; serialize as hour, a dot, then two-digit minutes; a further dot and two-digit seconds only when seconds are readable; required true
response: 10.27
